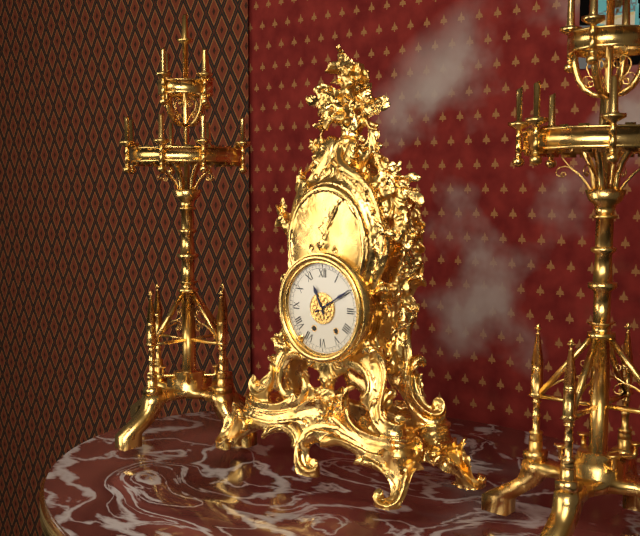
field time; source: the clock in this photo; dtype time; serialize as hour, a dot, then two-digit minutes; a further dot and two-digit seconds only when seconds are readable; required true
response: 11.10
